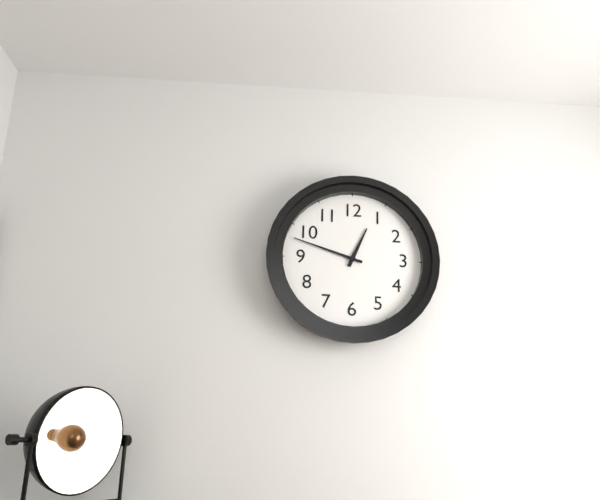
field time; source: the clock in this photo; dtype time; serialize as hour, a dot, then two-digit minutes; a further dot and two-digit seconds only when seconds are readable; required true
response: 12.48
